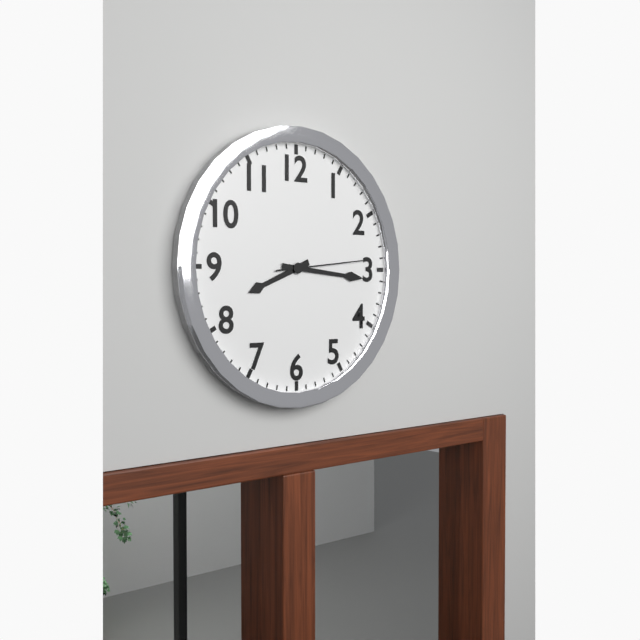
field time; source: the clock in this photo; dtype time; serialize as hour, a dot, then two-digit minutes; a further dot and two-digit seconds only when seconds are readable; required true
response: 8.16.14
